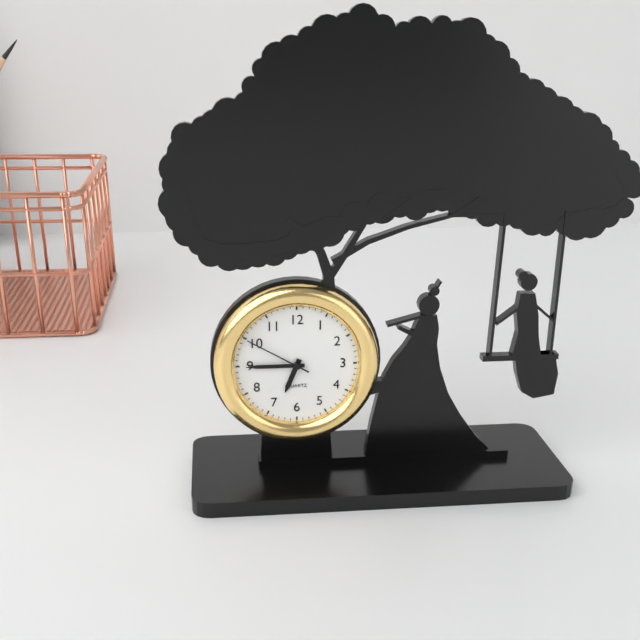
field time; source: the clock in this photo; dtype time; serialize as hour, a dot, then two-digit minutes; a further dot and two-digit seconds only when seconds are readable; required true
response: 6.45.50
